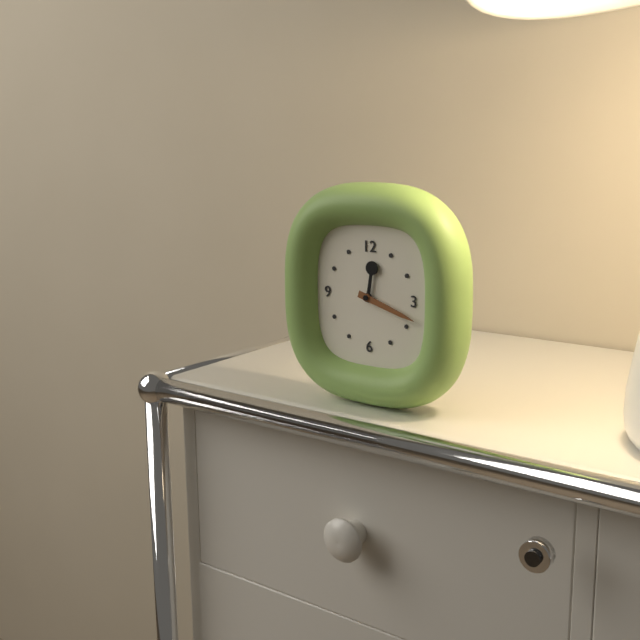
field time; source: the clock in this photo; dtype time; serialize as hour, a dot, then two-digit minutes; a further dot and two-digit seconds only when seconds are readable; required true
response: 12.18
